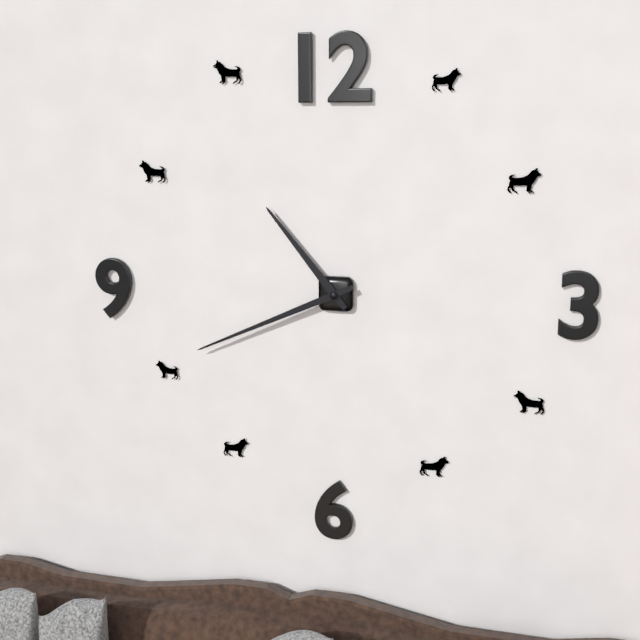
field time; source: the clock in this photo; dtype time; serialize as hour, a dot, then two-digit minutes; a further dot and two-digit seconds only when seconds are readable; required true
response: 10.41
